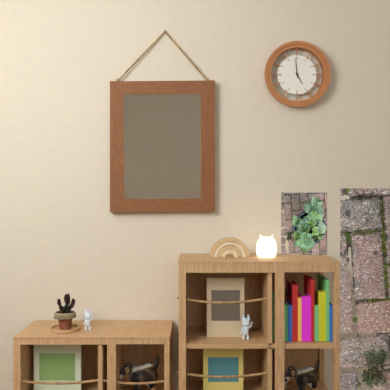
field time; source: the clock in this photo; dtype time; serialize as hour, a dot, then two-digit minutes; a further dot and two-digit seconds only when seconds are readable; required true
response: 4.59
